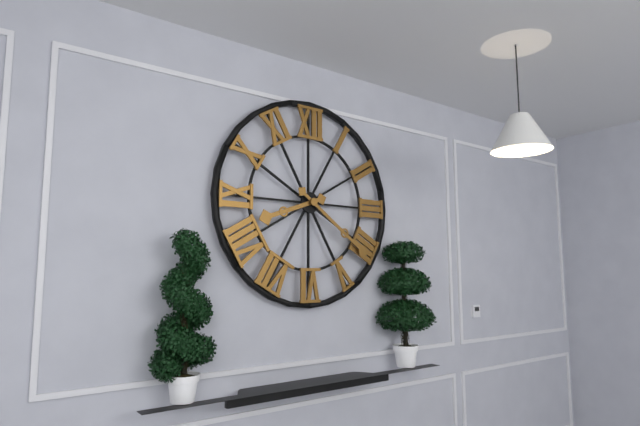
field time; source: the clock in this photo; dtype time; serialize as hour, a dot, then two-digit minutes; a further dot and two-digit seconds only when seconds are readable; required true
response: 8.21
